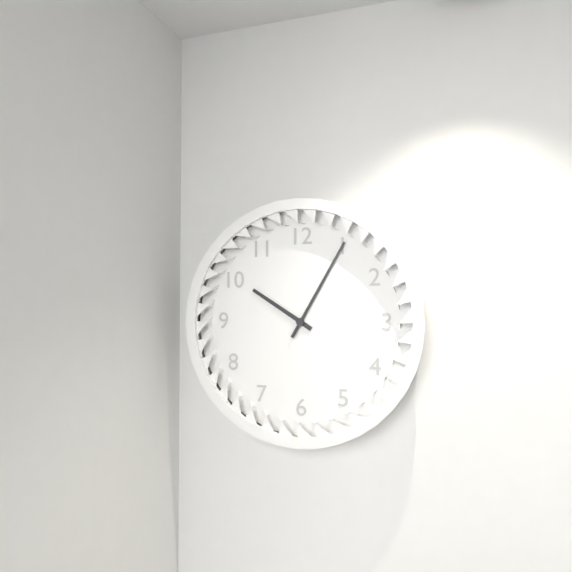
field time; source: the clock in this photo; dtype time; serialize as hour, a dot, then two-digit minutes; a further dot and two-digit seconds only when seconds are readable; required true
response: 10.05
